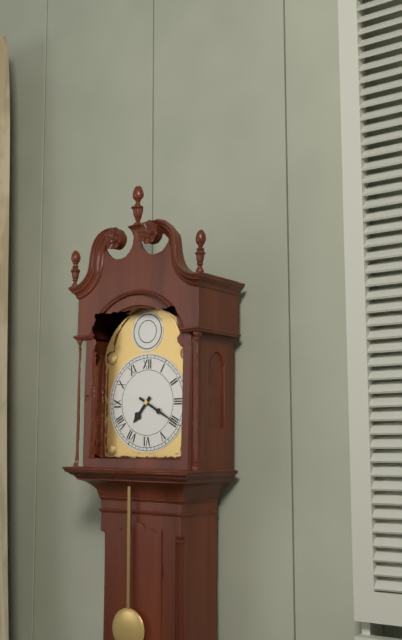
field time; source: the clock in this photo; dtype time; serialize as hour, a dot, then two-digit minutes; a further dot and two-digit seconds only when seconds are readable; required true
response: 7.20
